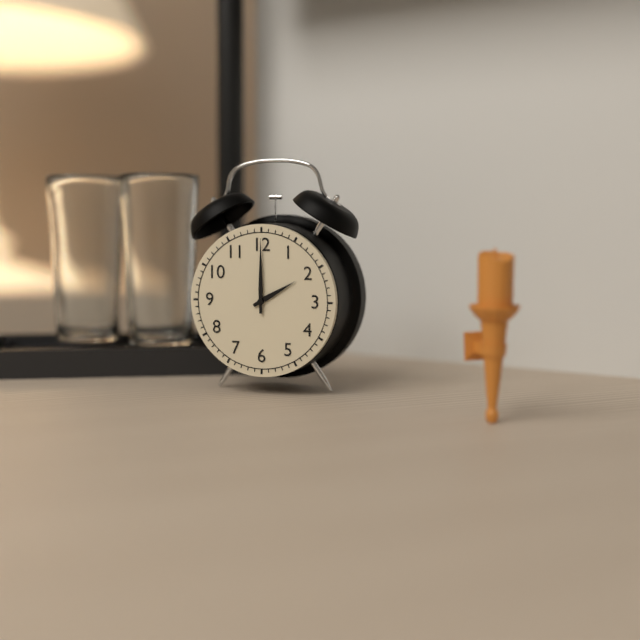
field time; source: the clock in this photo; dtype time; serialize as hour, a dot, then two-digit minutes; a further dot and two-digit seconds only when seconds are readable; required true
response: 2.00
